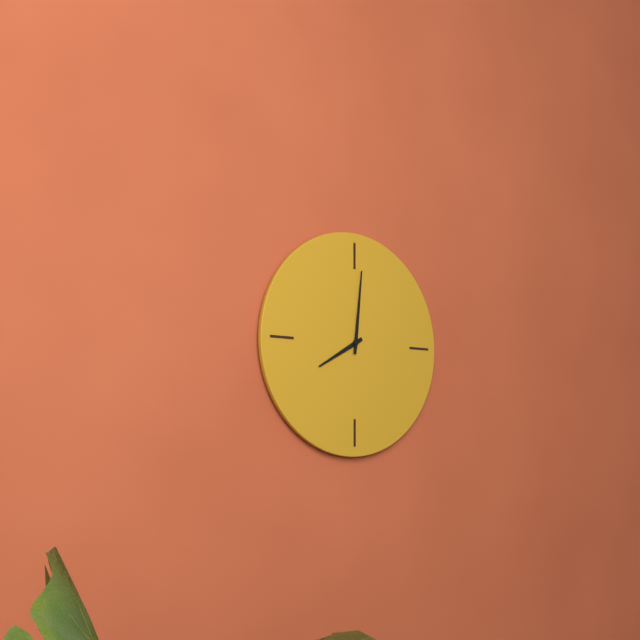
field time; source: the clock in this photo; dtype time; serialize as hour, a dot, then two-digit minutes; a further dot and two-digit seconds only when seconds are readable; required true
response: 8.01
